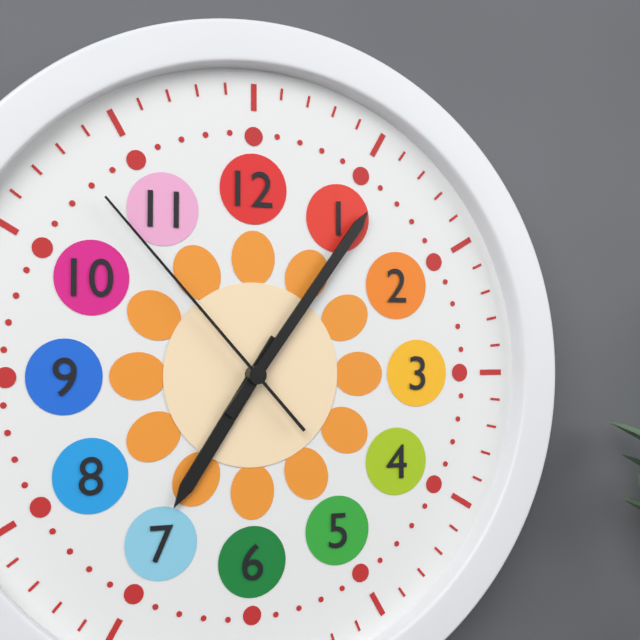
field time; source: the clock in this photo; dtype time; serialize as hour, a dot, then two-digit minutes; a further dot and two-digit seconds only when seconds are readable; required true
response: 7.06.53
